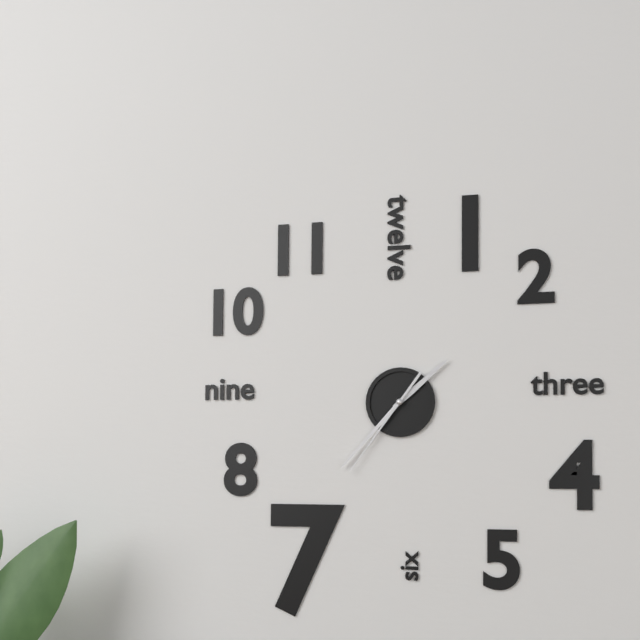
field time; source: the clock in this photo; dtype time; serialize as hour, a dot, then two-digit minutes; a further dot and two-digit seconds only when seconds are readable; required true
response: 1.37.36
